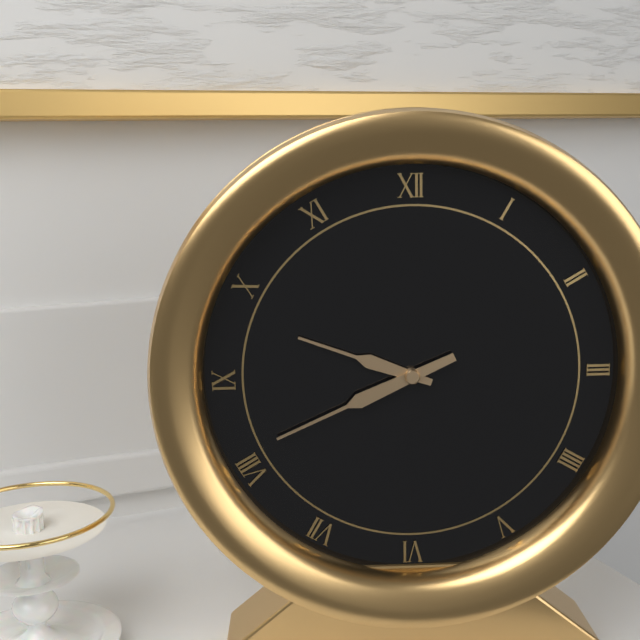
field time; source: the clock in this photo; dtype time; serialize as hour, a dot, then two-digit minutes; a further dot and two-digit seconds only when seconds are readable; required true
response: 9.41
